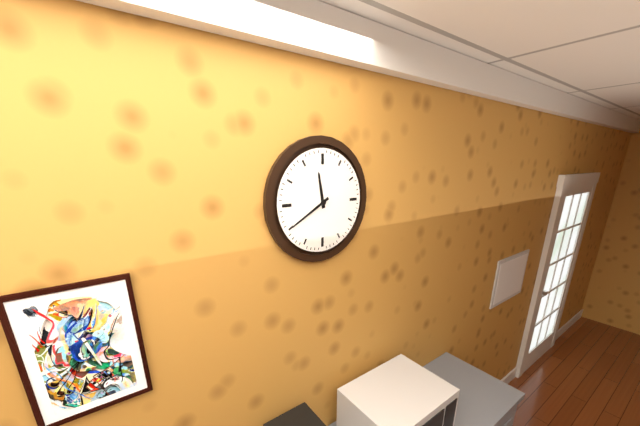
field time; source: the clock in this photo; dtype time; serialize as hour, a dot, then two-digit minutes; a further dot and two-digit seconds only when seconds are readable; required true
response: 11.40
